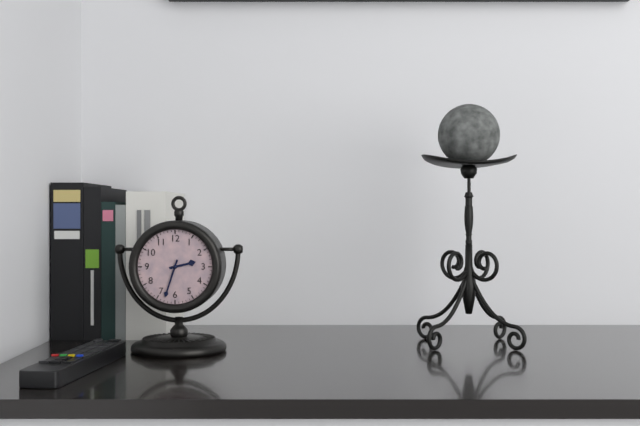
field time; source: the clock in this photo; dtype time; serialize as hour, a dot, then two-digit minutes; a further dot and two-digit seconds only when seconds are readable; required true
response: 2.33
